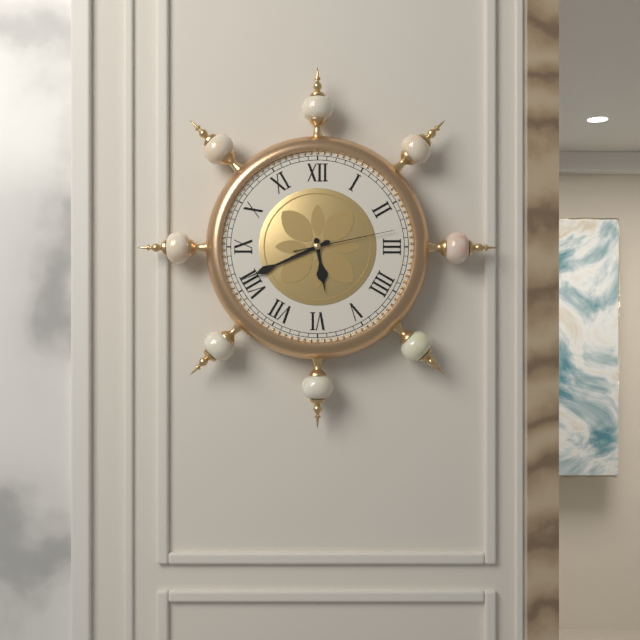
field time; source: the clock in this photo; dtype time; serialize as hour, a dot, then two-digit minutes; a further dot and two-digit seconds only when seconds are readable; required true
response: 5.41.13
